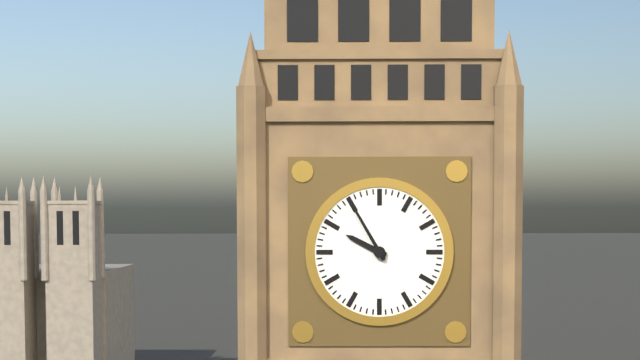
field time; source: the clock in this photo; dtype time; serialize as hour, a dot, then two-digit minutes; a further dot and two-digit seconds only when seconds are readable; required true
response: 9.55
